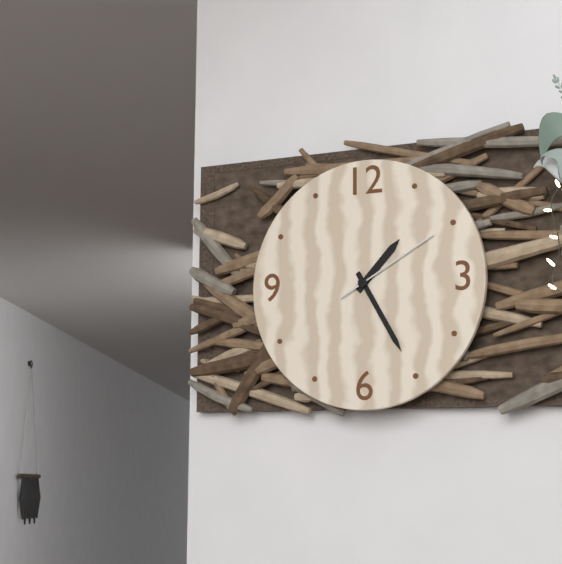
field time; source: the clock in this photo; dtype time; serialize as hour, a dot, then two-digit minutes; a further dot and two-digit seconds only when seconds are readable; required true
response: 1.25.10
